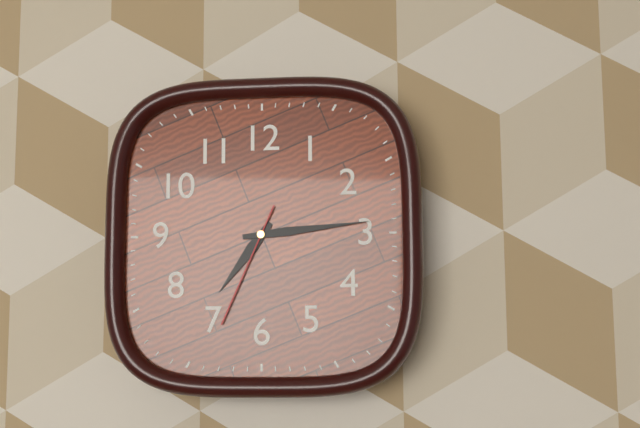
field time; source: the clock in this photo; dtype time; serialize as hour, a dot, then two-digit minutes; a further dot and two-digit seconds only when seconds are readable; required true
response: 7.14.34
